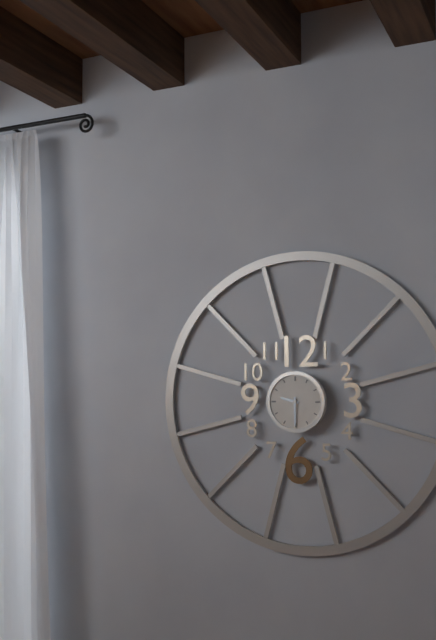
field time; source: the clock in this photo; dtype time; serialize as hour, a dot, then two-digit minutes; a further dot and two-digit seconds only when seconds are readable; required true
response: 9.30
